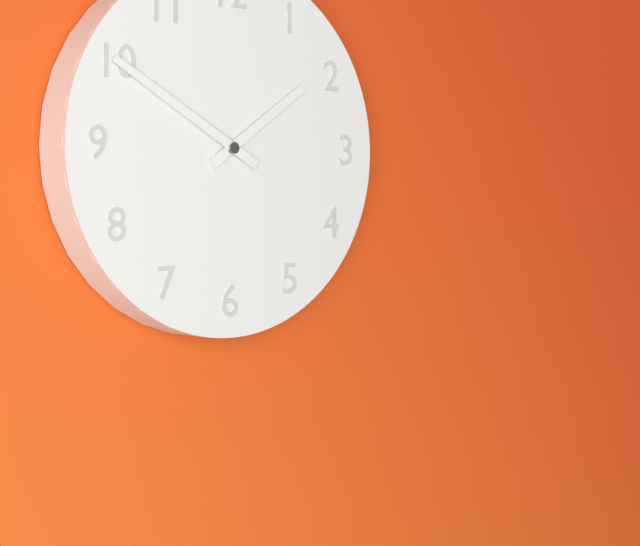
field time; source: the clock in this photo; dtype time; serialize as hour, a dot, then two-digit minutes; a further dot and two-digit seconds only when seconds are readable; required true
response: 1.50
